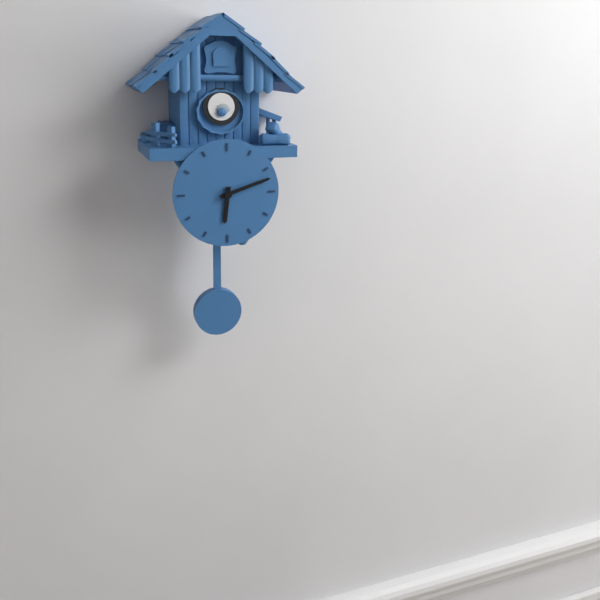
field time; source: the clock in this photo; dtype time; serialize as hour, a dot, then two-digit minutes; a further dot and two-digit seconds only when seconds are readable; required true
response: 6.12
